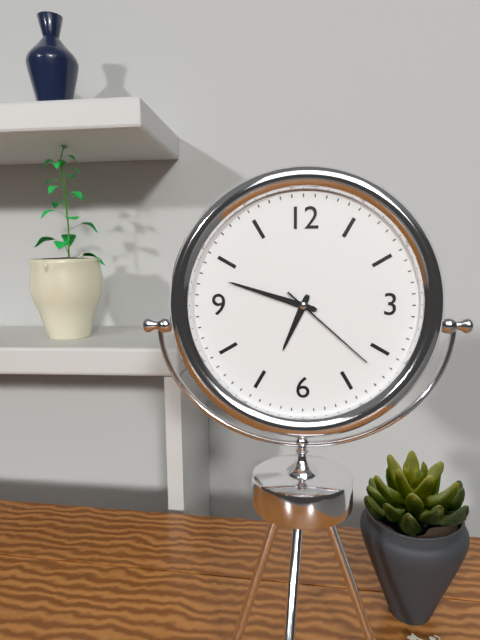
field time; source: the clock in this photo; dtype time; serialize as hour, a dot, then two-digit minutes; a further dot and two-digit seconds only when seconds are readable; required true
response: 6.48.22
